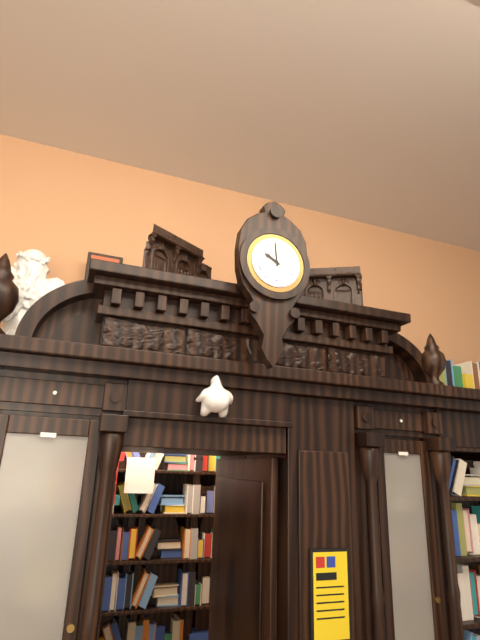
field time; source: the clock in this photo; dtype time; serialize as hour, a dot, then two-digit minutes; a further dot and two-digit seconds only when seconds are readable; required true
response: 9.59
